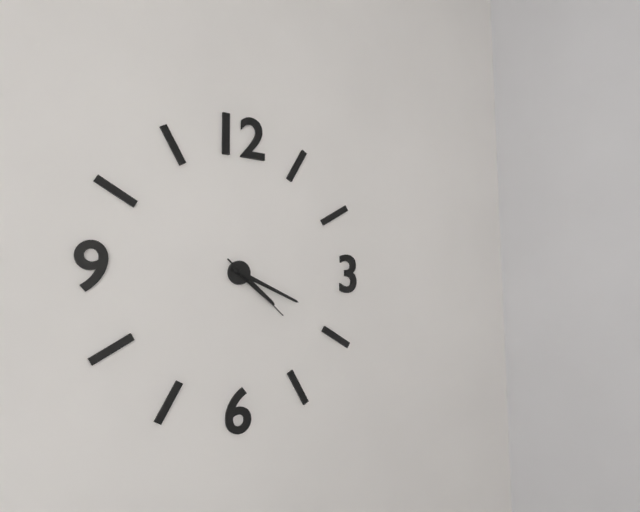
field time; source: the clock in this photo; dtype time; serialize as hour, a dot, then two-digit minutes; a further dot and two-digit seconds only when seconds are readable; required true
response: 4.19.22
